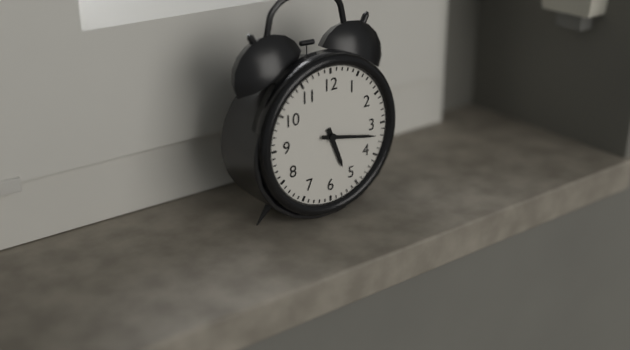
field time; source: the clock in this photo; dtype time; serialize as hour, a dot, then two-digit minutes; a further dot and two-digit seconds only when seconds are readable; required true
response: 5.17
